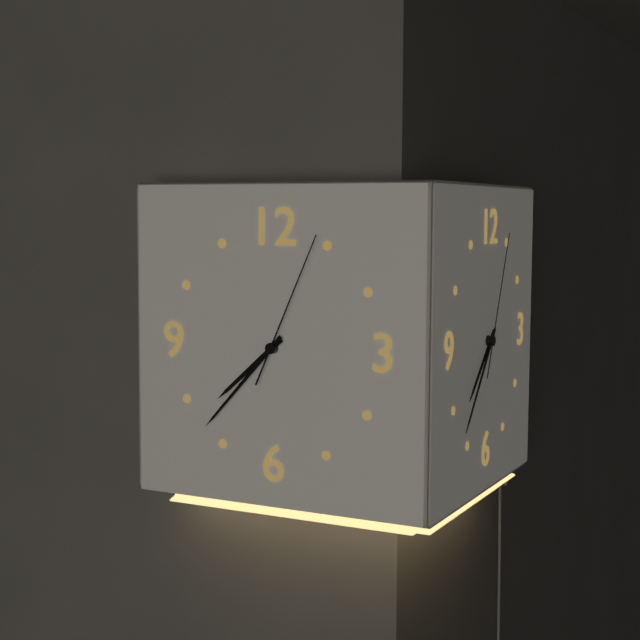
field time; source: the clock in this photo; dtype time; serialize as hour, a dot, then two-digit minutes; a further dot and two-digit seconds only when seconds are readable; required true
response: 7.37.04
